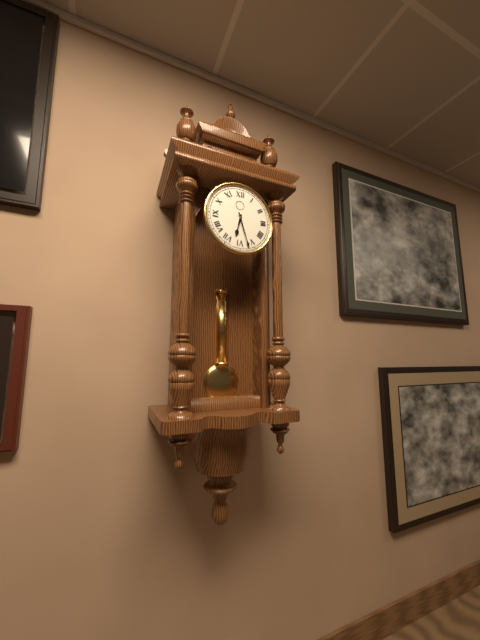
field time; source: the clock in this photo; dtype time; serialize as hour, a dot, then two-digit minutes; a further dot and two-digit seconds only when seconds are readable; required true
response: 6.27
